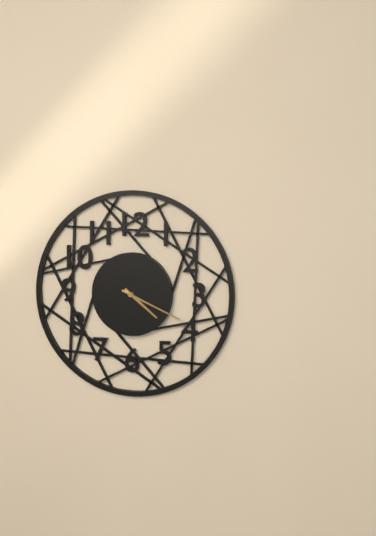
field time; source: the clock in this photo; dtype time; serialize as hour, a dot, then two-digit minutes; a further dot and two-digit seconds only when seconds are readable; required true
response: 4.19
